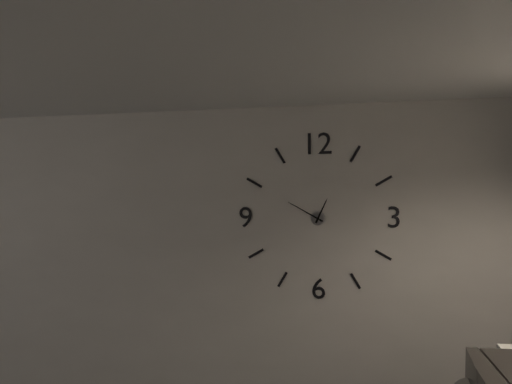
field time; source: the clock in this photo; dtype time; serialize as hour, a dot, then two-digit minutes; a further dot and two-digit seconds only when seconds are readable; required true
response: 12.50
